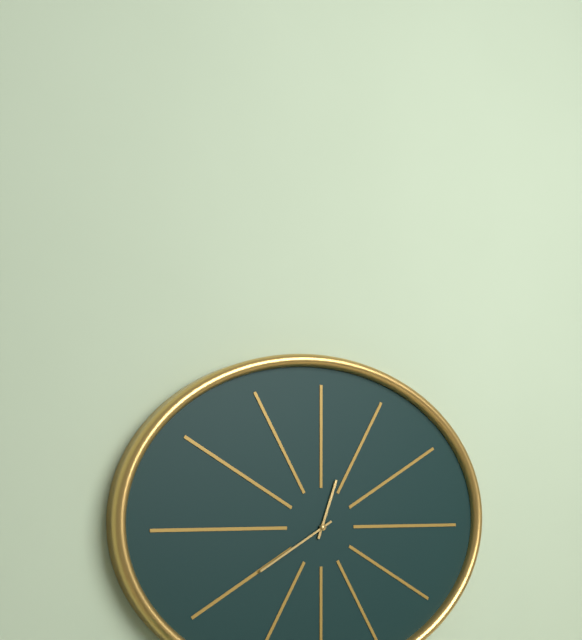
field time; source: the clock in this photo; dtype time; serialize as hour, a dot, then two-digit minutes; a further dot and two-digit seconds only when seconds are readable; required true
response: 12.40
